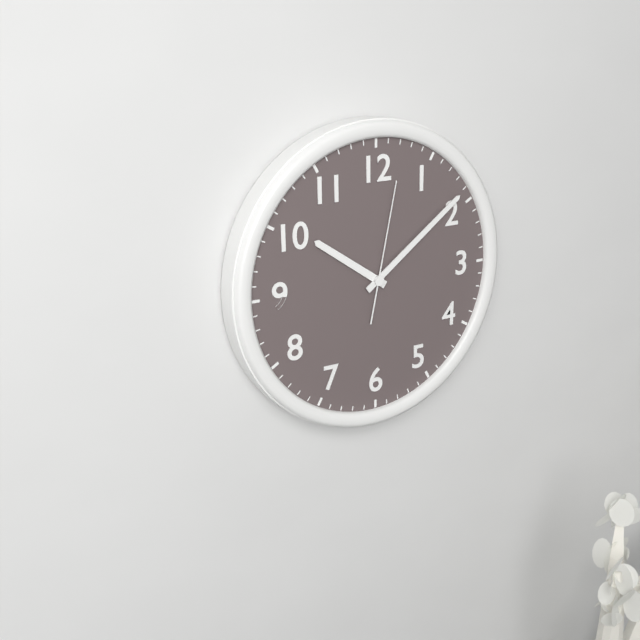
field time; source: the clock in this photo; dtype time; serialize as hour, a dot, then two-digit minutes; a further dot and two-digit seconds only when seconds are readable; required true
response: 10.09.02
